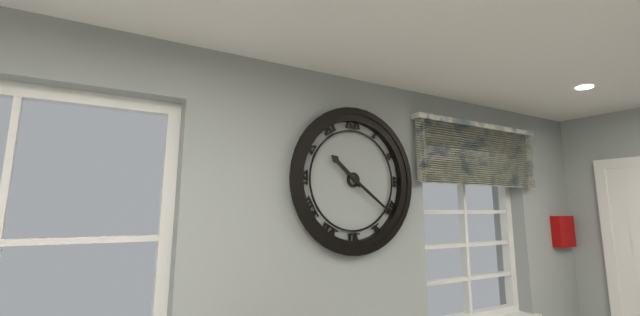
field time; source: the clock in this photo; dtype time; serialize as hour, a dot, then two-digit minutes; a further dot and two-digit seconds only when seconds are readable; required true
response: 10.21
